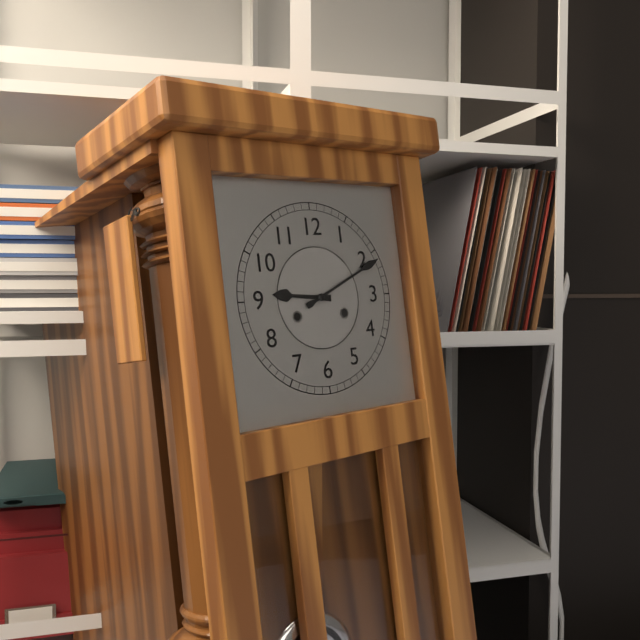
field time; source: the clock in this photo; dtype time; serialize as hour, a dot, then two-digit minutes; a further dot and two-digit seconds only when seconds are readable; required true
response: 9.11
